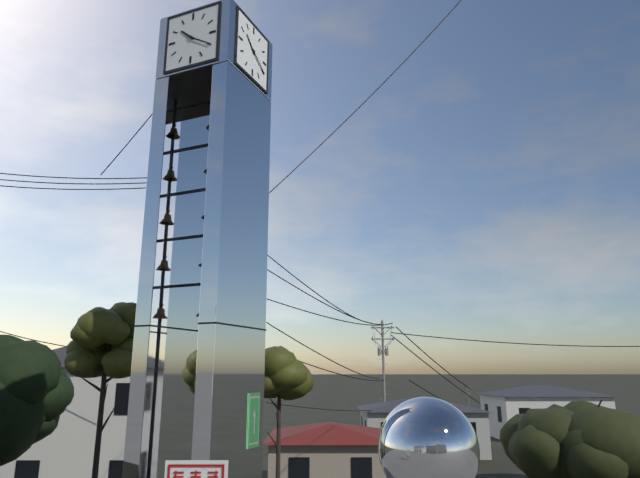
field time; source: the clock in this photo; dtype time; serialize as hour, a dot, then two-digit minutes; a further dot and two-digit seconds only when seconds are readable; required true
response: 10.20
